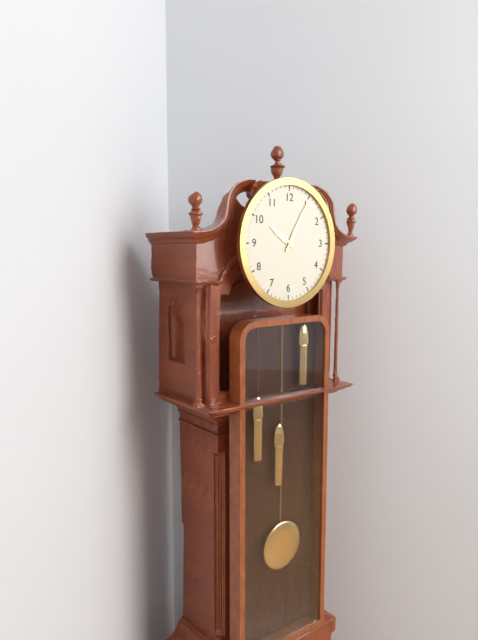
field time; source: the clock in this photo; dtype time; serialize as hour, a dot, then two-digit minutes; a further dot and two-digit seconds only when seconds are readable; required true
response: 10.05
